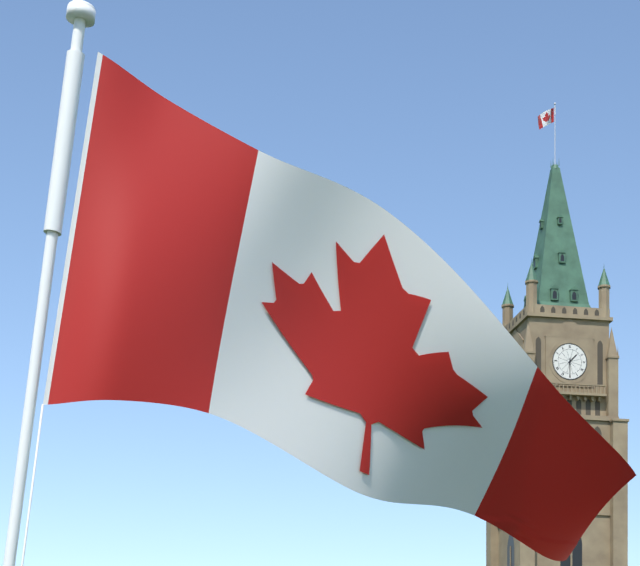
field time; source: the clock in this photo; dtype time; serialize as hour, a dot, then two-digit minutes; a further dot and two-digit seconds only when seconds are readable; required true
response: 1.30
